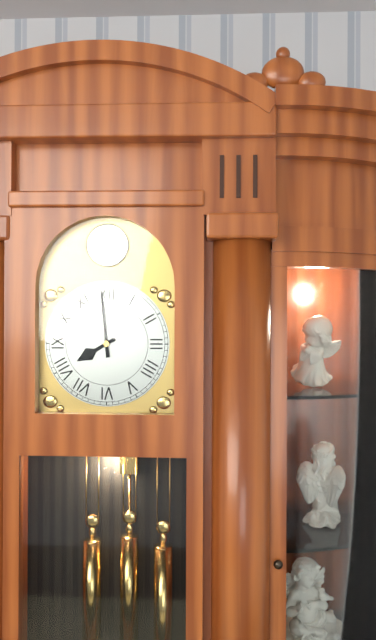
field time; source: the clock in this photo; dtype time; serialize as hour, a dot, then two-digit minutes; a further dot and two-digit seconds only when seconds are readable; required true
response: 7.59
